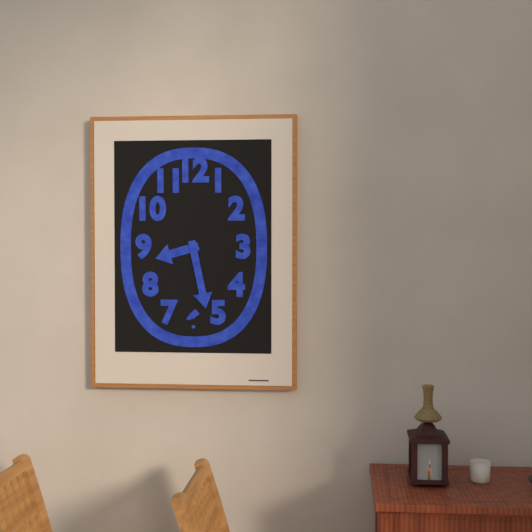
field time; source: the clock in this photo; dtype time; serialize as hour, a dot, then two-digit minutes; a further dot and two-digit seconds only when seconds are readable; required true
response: 8.28
